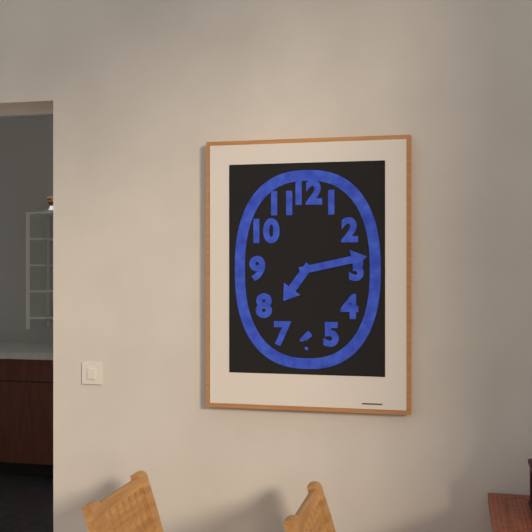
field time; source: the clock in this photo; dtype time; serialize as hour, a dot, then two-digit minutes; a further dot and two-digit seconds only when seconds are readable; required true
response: 7.13
